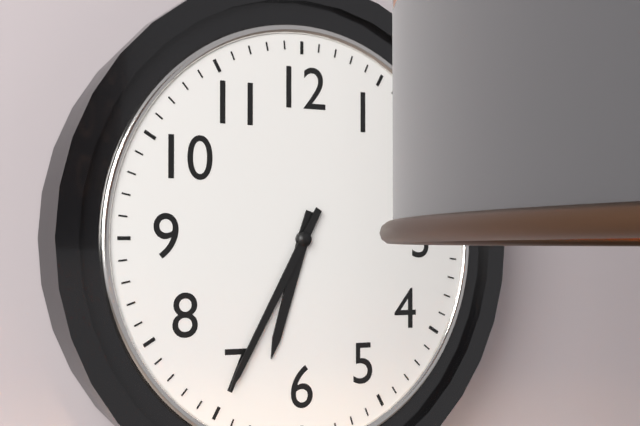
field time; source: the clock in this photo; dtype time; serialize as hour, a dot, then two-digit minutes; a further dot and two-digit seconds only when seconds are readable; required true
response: 6.35
